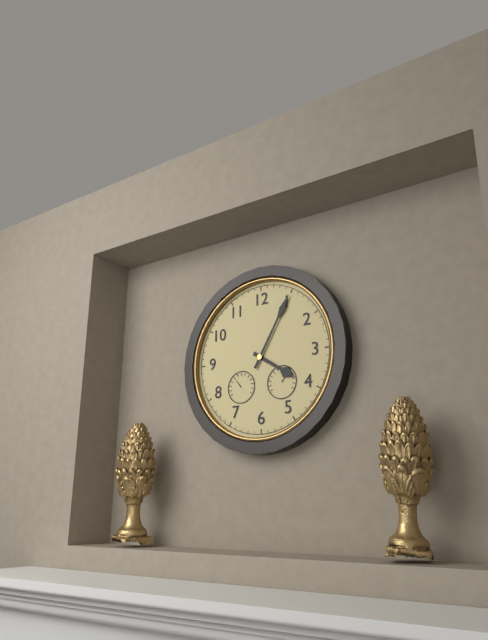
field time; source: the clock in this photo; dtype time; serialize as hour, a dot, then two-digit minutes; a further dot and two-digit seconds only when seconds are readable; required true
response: 4.05
